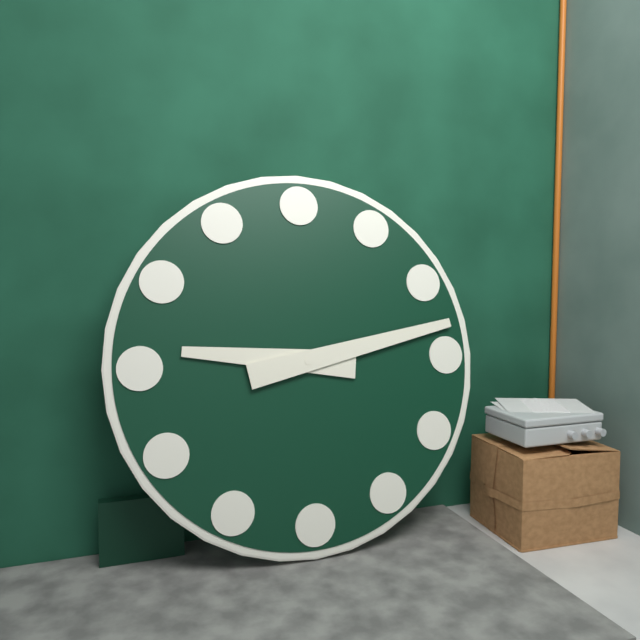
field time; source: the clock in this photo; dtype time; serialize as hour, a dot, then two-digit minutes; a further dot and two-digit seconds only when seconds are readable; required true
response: 9.13
